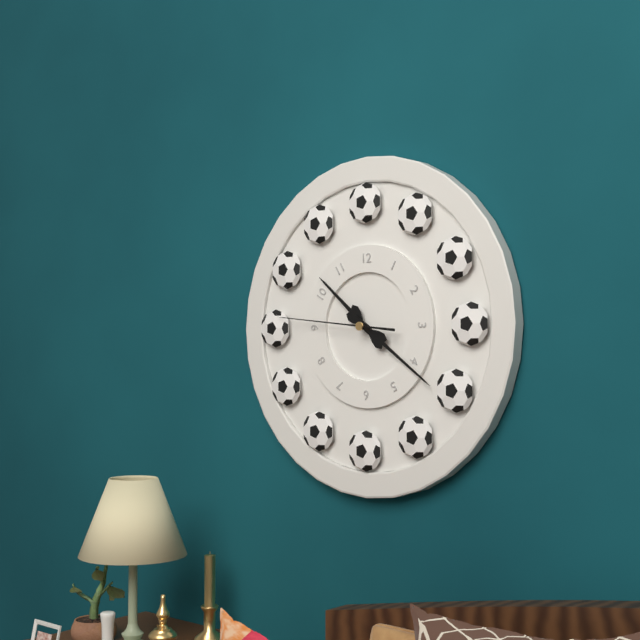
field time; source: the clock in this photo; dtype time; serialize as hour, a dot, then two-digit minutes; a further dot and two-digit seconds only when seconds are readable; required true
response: 10.21.46
